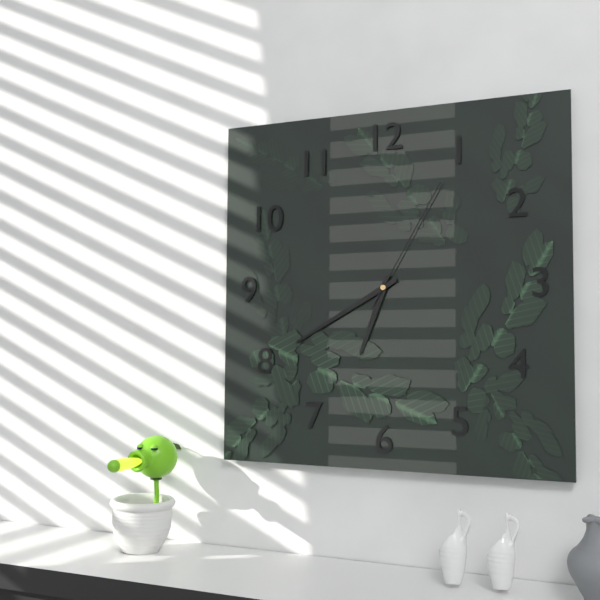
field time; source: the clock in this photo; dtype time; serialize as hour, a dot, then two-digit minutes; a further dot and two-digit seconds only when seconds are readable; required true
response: 6.40.05
